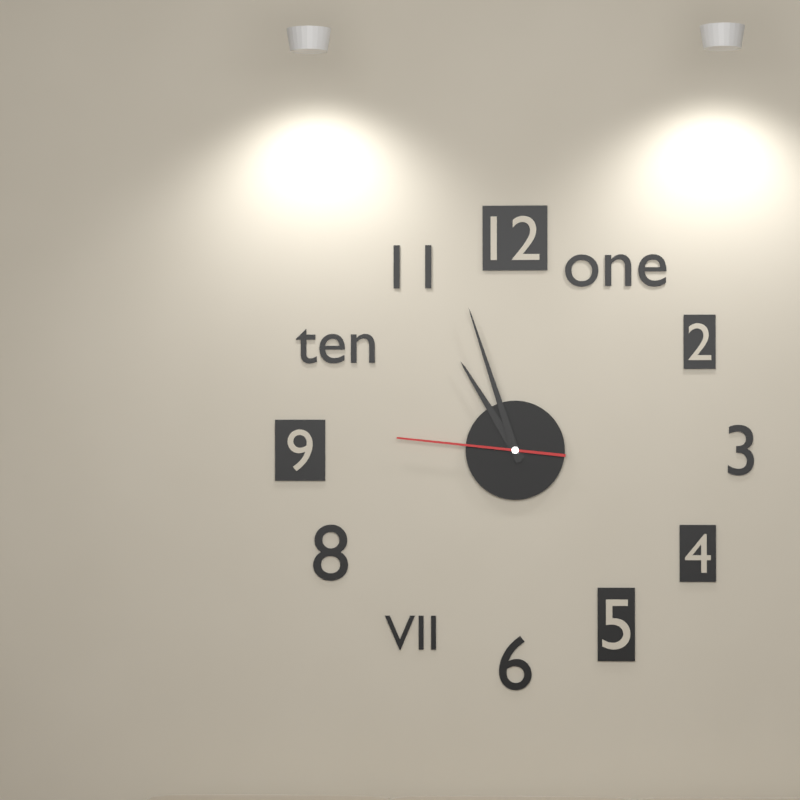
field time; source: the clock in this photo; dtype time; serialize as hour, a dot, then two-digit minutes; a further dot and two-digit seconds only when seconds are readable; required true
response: 10.57.46
